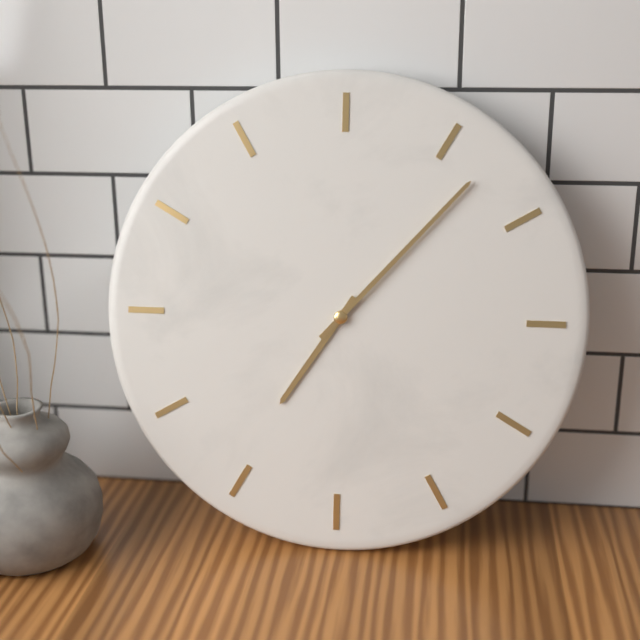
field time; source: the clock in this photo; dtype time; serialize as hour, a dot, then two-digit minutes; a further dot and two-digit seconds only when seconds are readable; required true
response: 7.07
